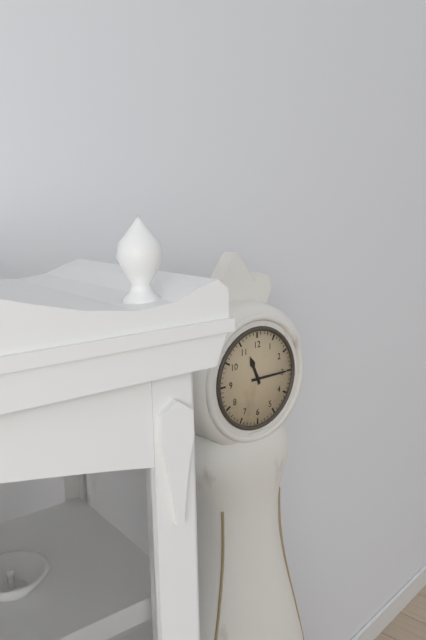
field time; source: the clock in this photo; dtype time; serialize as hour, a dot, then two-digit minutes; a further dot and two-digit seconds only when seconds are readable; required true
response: 11.15
